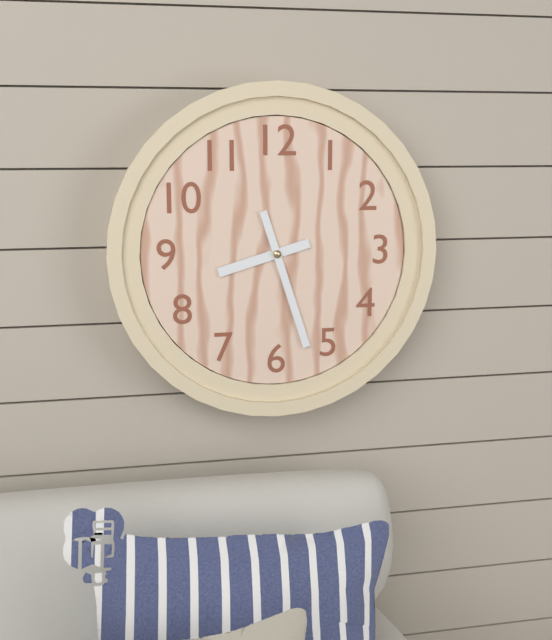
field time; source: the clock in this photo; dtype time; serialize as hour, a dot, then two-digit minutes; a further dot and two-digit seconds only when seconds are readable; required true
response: 8.27
